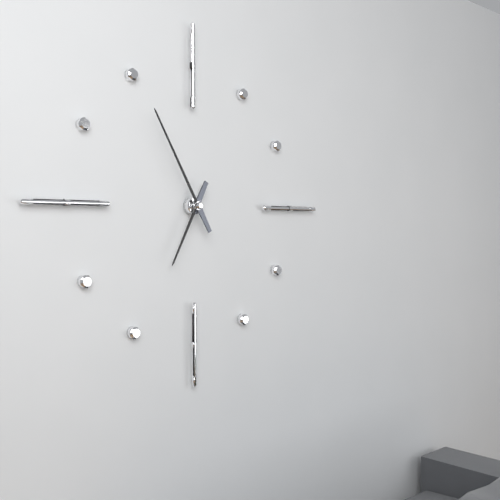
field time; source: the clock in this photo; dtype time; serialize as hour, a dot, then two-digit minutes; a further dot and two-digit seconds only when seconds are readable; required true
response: 6.55
